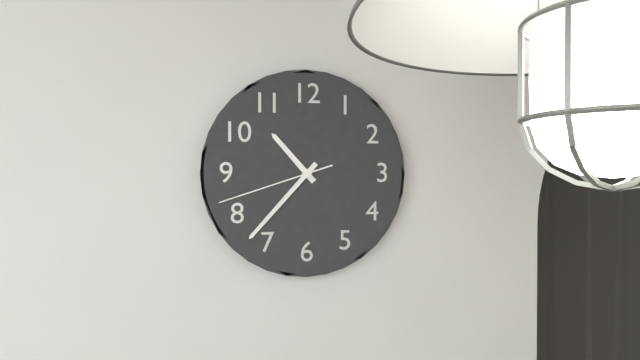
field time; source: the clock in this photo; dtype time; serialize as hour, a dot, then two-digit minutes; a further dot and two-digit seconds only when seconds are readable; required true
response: 10.37.42
